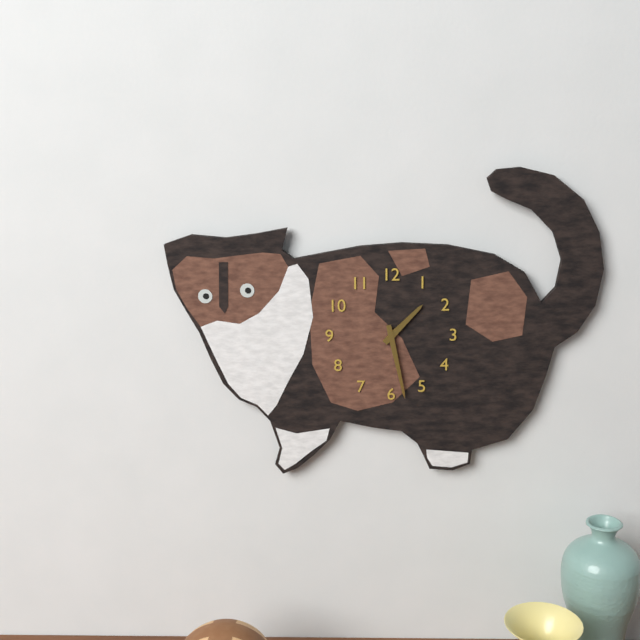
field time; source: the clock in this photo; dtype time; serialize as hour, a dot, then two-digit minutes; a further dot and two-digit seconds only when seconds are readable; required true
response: 1.28
